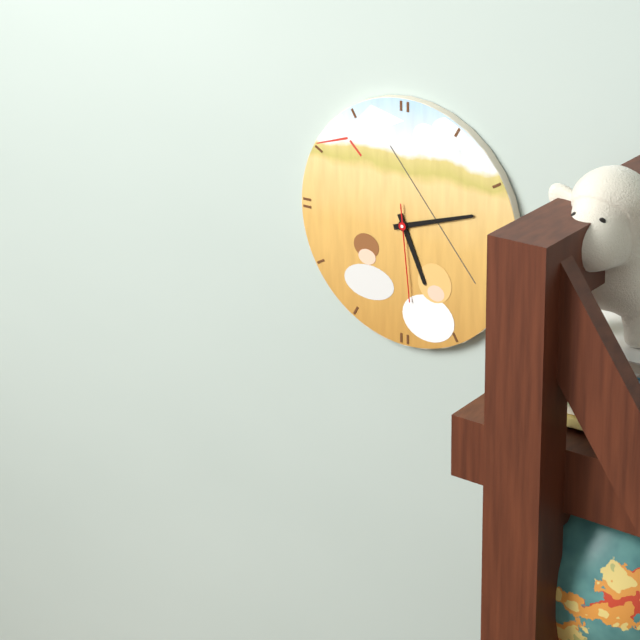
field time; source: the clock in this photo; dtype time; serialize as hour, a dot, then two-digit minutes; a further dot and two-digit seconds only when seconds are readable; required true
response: 5.12.29
